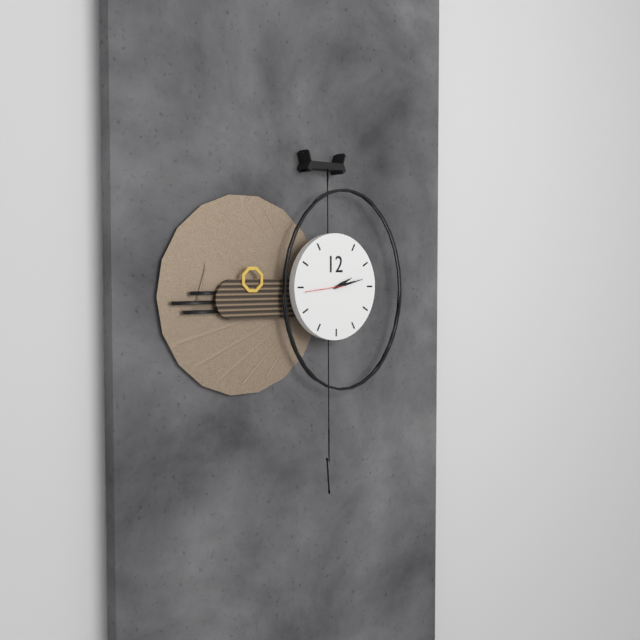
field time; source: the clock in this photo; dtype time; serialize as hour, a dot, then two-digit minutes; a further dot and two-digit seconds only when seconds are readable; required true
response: 2.13
